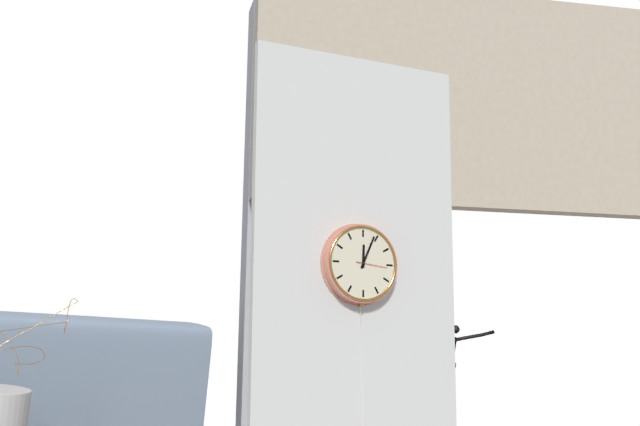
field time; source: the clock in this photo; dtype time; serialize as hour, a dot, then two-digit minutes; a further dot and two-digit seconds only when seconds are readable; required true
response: 12.04
